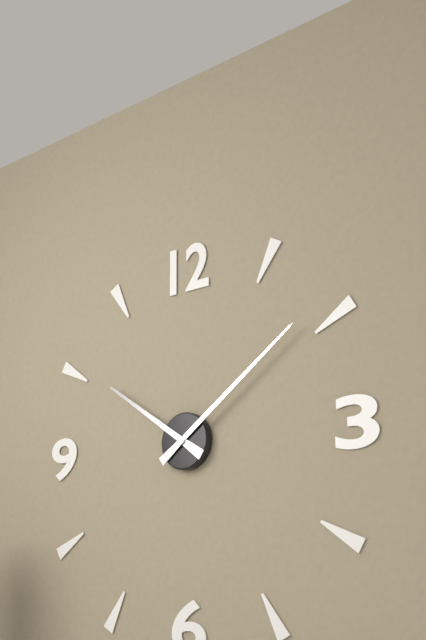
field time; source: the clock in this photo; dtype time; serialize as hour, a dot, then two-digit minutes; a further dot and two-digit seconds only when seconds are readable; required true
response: 10.09
